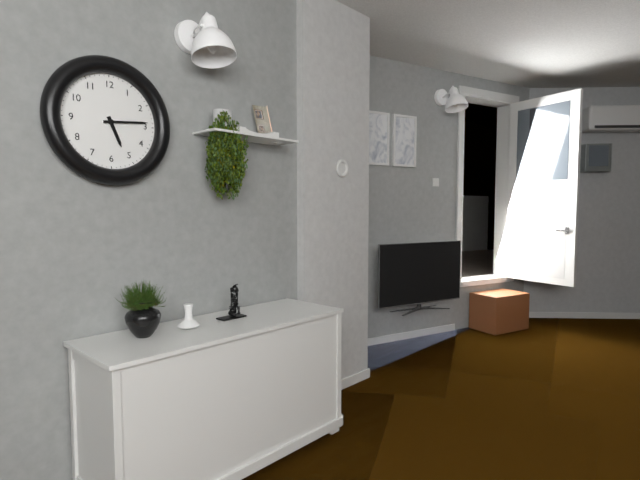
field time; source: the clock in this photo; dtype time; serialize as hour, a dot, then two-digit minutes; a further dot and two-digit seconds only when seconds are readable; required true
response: 5.14
